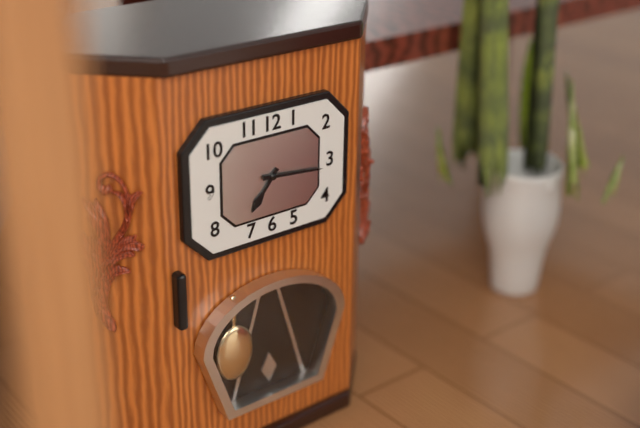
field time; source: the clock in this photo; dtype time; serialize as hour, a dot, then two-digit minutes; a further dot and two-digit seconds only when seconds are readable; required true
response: 7.16
